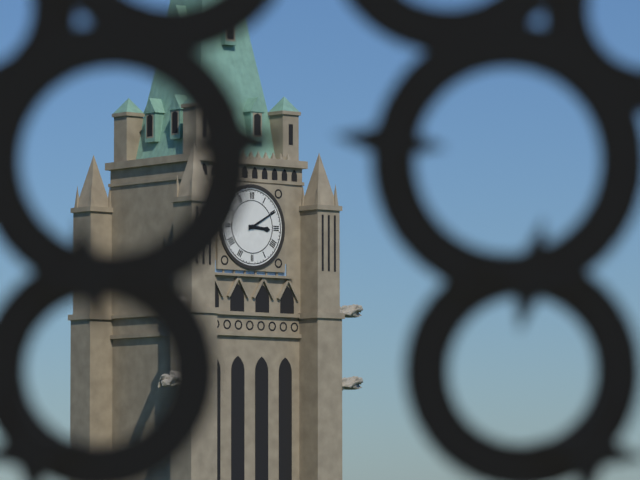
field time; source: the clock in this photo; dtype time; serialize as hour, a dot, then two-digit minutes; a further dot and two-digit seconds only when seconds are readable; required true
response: 3.10
